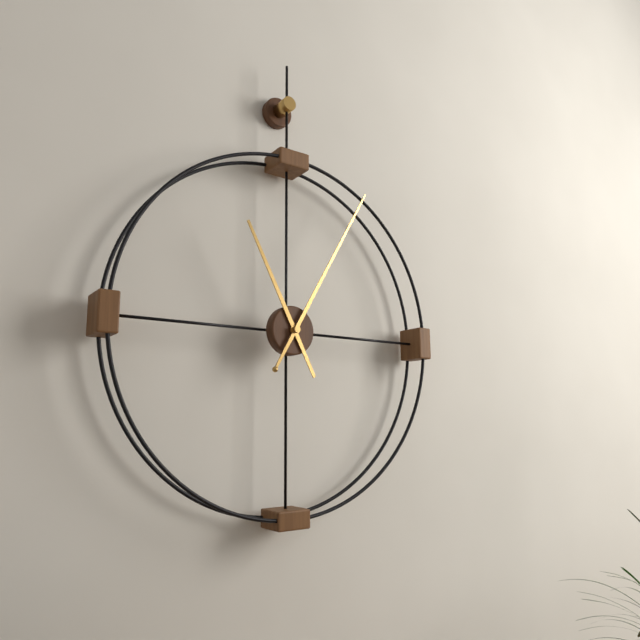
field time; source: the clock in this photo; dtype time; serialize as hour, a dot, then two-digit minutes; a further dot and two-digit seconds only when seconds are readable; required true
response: 11.05
